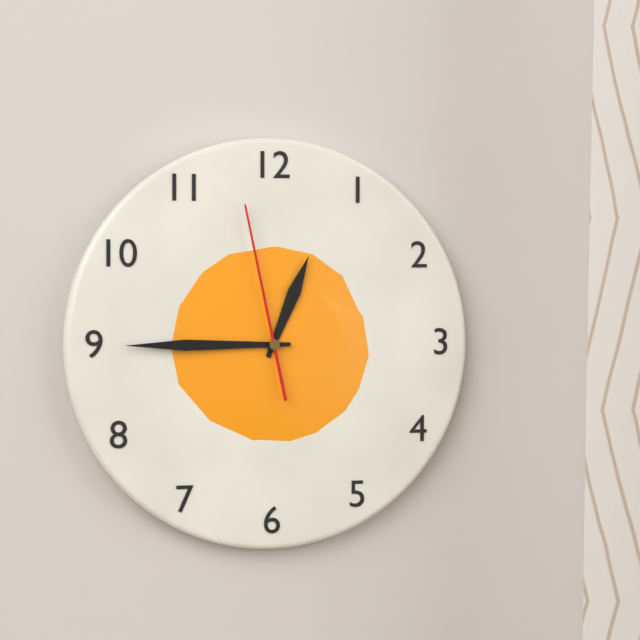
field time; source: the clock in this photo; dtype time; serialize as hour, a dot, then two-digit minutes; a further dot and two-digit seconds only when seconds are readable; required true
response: 12.45.58
